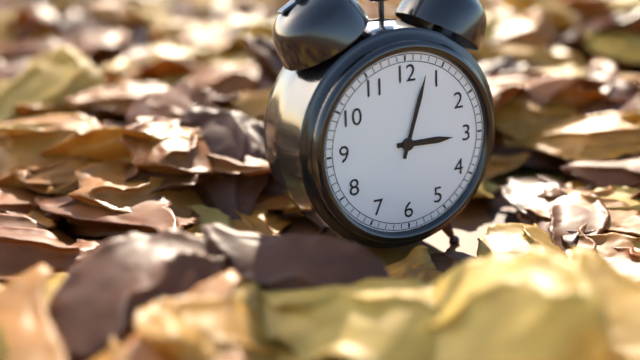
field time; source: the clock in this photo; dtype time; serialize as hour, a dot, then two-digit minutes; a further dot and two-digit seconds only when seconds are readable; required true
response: 3.03
